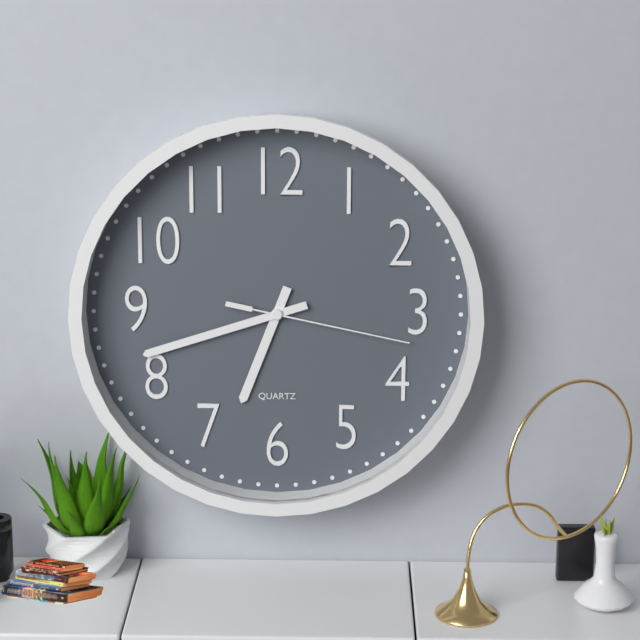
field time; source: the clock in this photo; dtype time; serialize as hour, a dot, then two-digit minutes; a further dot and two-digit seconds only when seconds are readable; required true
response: 6.42.17
